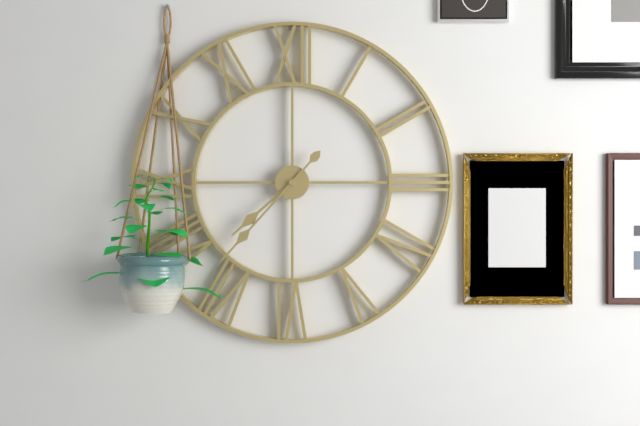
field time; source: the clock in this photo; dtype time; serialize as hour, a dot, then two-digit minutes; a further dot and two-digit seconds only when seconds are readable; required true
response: 7.37
